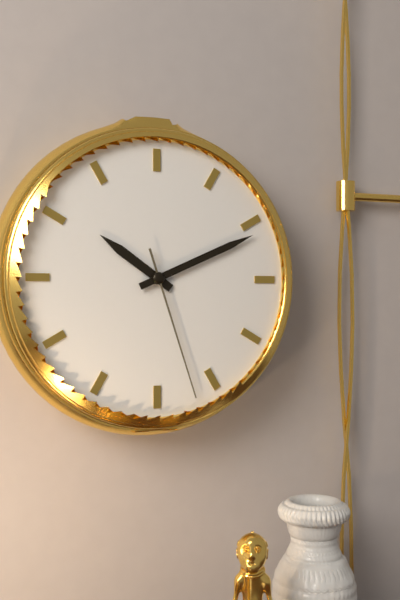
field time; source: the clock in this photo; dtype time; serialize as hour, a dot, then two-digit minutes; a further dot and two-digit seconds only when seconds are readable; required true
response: 10.11.27
